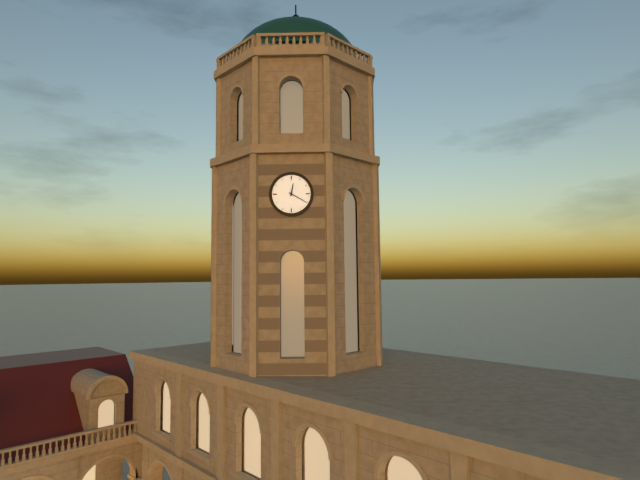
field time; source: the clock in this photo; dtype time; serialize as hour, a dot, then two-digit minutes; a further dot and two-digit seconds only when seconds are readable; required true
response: 12.20
